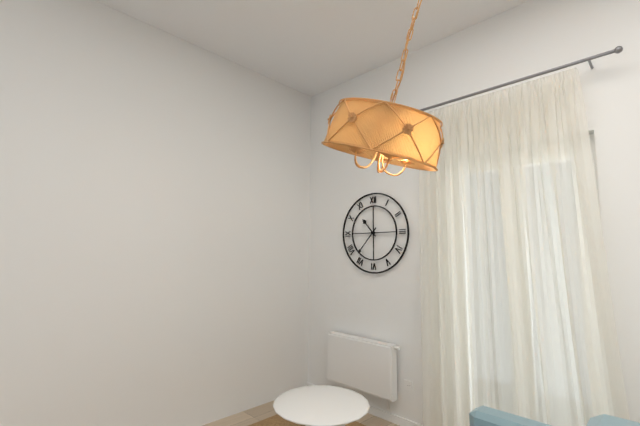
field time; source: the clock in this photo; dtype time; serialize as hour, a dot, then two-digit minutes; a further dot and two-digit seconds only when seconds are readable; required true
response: 10.37
